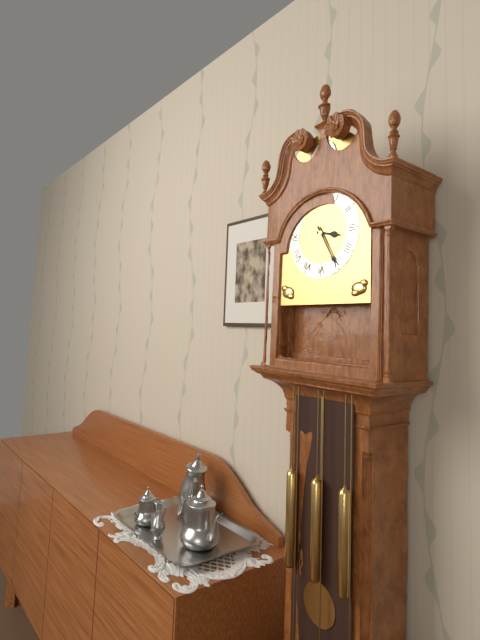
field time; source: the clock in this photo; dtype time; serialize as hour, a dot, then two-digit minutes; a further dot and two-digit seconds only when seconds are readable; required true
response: 3.25
